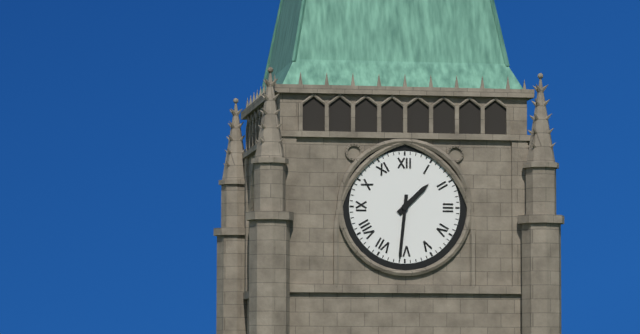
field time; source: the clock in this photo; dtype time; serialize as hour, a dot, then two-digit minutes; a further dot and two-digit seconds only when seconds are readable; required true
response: 1.31
